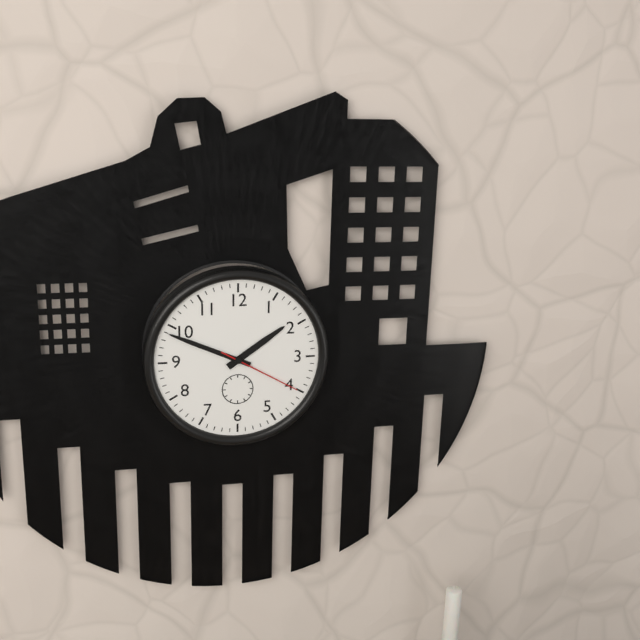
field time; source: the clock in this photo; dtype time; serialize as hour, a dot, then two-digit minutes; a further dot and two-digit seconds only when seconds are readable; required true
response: 1.49.20
